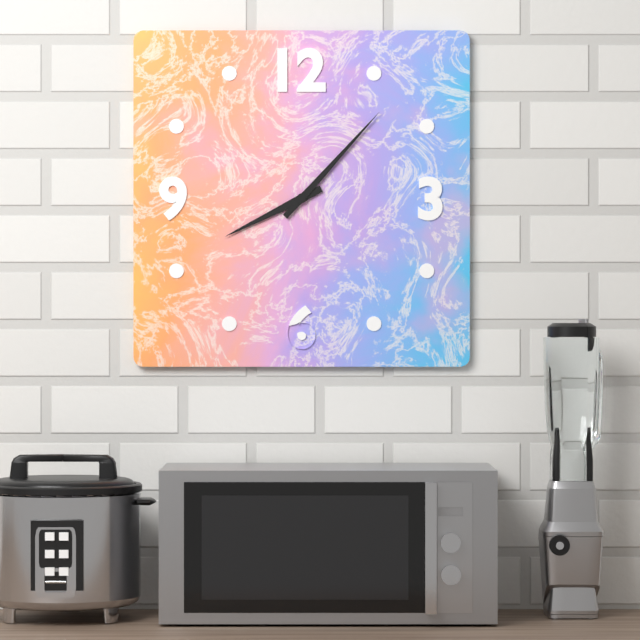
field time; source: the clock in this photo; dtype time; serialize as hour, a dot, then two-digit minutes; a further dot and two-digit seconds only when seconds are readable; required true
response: 8.07
